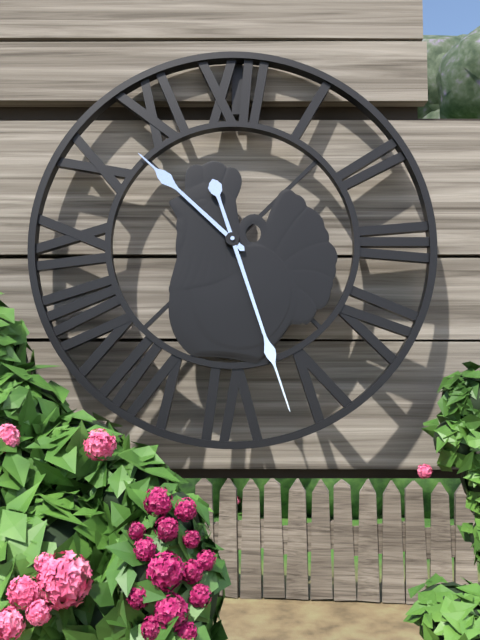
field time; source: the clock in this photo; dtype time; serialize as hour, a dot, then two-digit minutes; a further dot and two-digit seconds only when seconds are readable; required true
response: 10.27
